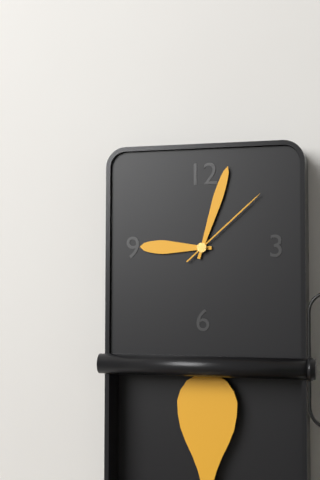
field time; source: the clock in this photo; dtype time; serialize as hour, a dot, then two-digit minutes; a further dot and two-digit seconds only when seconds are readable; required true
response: 9.03.08
